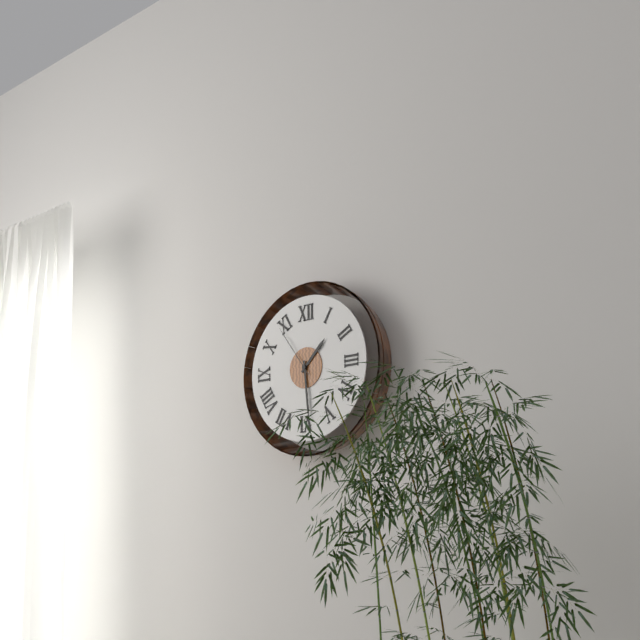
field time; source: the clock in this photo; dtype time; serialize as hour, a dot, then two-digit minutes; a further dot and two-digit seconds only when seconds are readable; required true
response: 1.29.54
